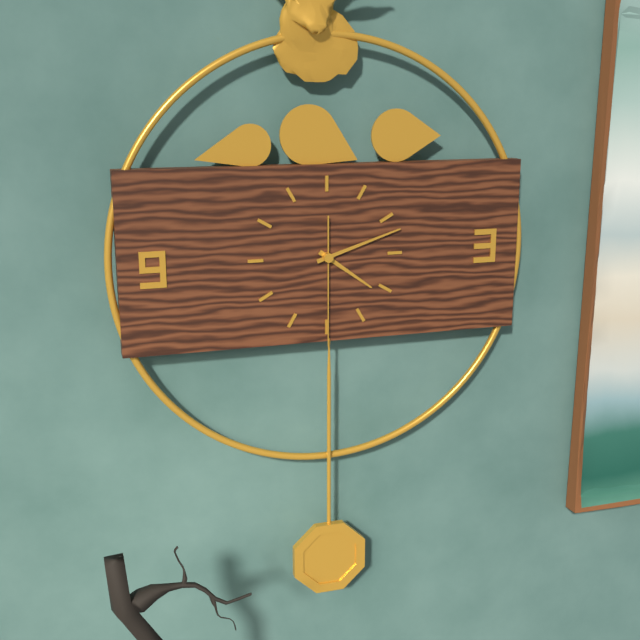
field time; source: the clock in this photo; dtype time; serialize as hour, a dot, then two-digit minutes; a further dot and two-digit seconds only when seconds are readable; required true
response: 4.12.30
